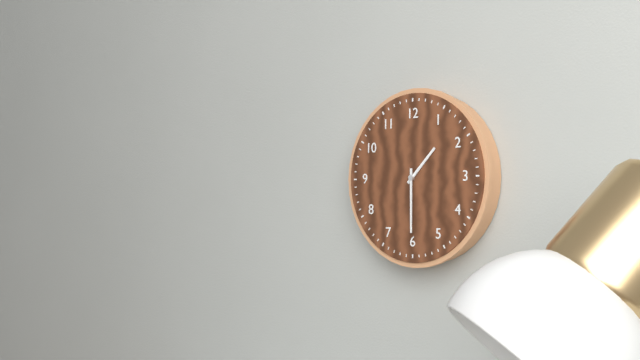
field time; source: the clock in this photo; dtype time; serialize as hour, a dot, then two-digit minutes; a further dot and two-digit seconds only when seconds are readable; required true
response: 1.30
